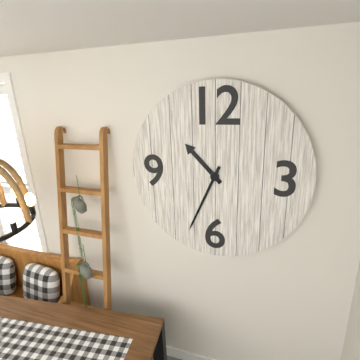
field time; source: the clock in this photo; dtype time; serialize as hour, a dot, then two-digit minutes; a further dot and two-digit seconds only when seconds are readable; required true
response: 10.34
